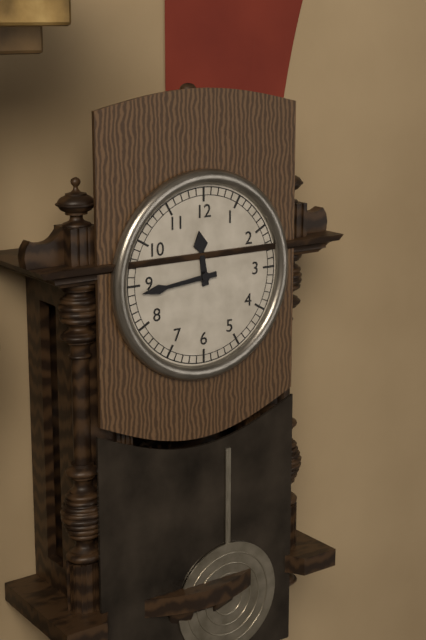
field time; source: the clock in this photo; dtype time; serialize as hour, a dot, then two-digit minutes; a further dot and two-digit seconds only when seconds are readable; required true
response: 11.44
